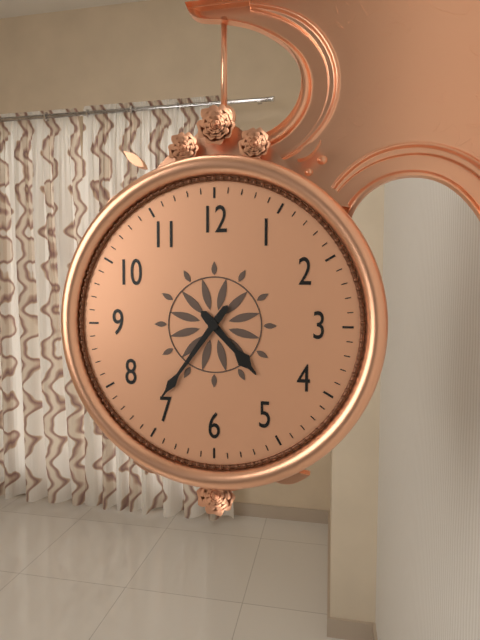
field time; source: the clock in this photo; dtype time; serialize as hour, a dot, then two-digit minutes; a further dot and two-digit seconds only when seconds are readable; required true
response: 4.36
